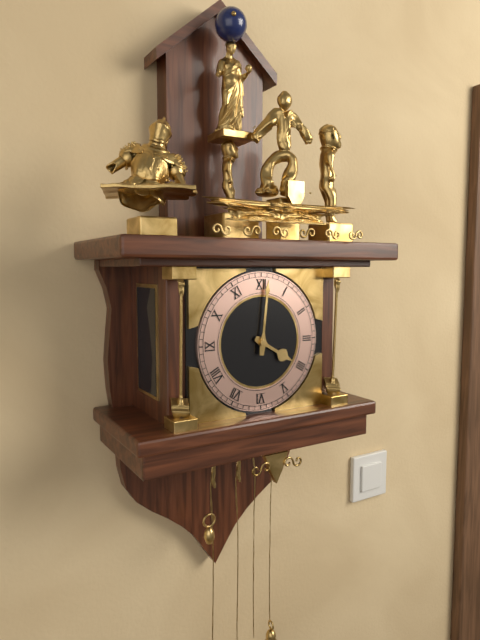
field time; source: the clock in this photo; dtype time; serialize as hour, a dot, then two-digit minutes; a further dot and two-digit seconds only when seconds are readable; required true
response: 4.01
